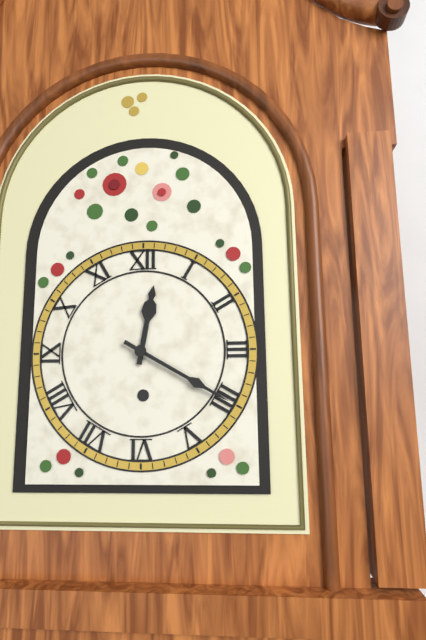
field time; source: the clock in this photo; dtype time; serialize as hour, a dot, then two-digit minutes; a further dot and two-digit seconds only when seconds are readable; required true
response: 12.20
